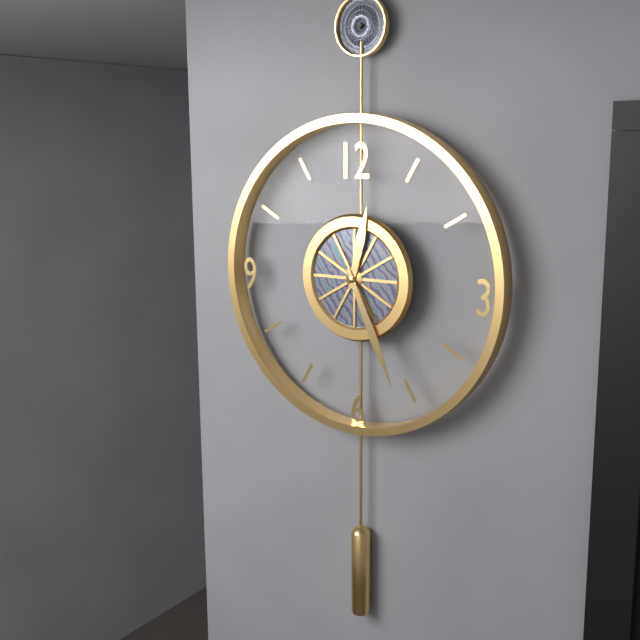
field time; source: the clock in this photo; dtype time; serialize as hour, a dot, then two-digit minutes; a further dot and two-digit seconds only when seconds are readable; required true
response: 12.26
